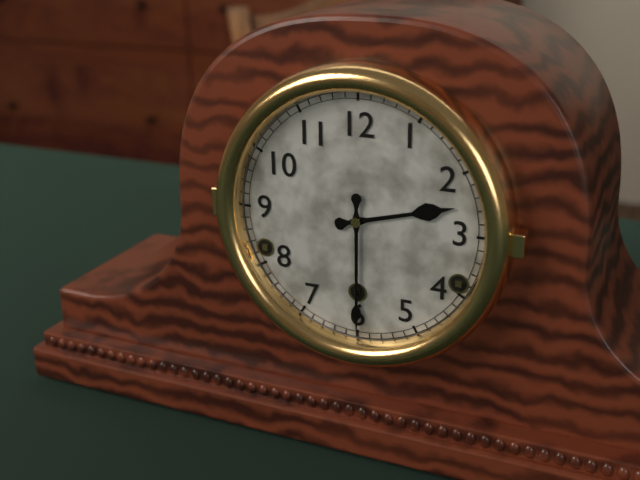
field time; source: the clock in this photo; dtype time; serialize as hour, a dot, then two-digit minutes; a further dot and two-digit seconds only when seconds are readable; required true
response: 2.30
